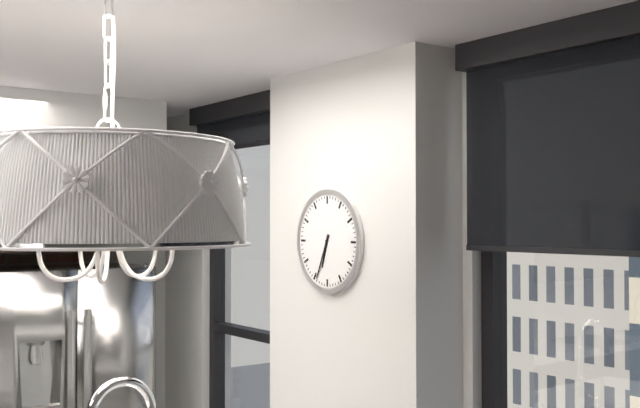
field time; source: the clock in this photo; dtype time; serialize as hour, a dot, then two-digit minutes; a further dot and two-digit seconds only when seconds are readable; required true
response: 6.34
